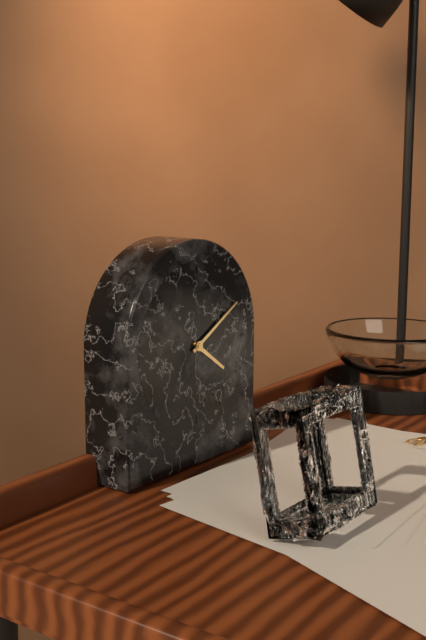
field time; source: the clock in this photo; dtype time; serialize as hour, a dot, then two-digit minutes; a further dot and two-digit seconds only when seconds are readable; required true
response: 4.10
